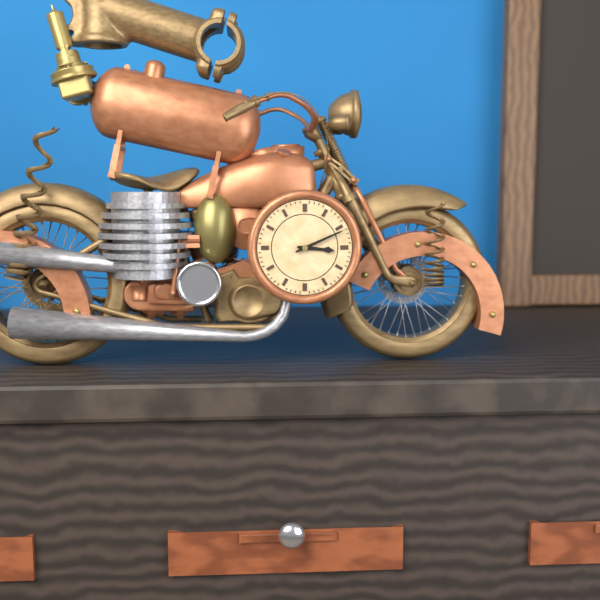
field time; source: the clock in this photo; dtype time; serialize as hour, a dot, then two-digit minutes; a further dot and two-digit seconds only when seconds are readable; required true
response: 3.11
